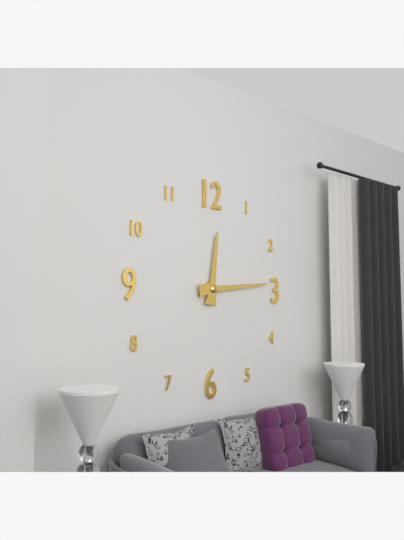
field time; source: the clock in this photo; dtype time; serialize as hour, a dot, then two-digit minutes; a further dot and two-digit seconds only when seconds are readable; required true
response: 12.14
